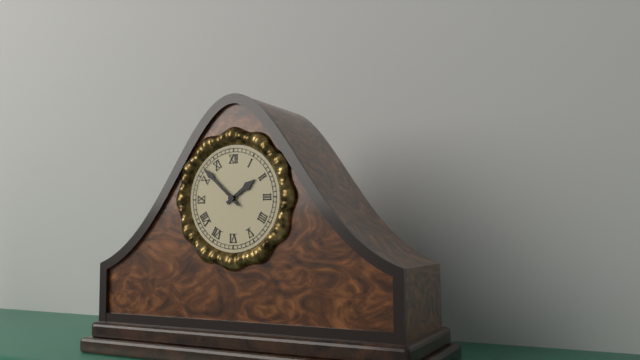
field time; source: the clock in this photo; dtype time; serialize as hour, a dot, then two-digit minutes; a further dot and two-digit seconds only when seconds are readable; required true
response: 1.52
